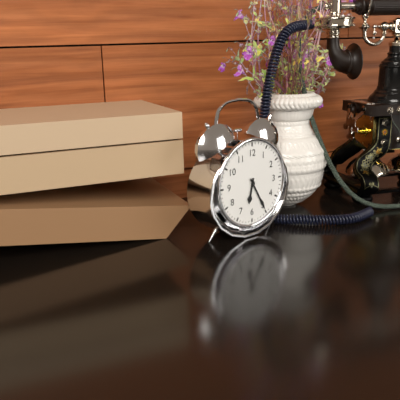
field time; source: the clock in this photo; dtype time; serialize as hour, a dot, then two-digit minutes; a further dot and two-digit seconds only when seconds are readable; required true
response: 6.25
